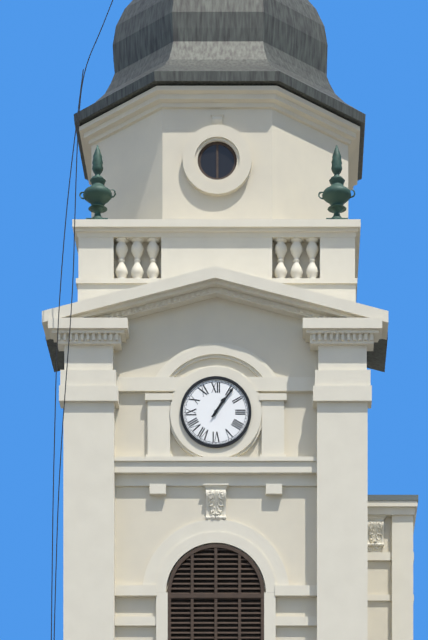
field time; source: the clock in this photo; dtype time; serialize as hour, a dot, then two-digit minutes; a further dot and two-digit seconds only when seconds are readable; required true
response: 1.06
